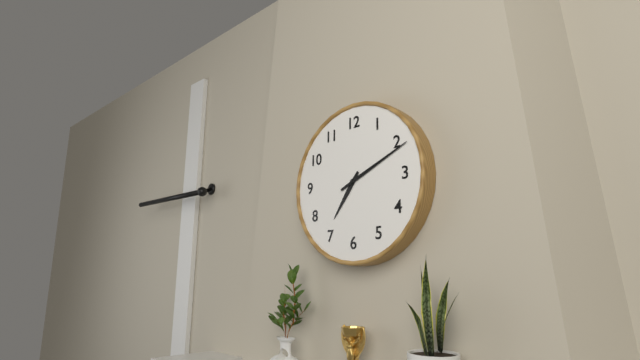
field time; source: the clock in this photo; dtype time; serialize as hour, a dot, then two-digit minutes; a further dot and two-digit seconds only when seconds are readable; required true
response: 7.11
